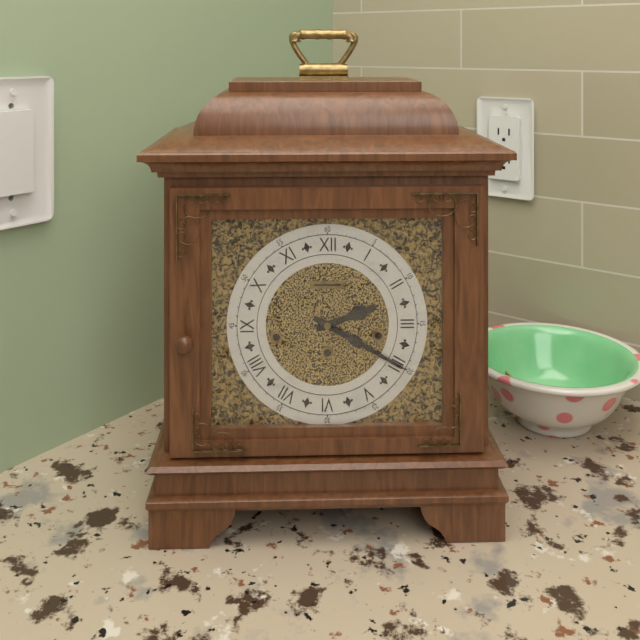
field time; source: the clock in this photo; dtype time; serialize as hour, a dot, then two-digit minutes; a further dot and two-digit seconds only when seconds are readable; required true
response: 2.20
